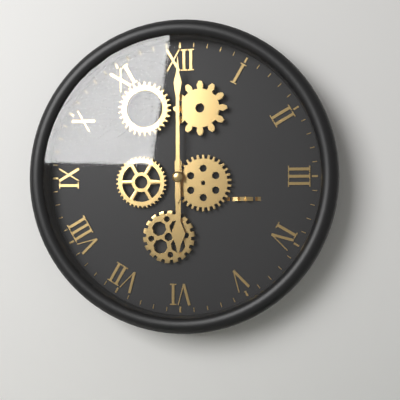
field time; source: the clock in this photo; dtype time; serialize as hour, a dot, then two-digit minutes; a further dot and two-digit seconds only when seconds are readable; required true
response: 6.00
